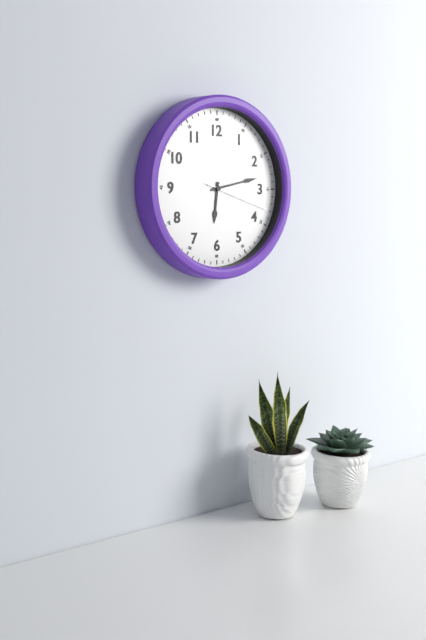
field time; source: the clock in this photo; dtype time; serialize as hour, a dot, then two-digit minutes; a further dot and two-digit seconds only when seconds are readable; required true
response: 6.13.18
